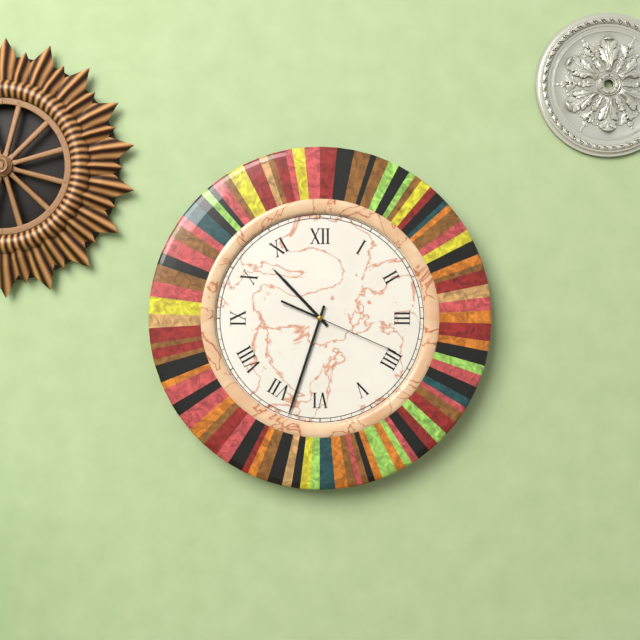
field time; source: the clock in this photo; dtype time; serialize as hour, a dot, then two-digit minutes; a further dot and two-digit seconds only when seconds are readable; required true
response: 10.33.19
